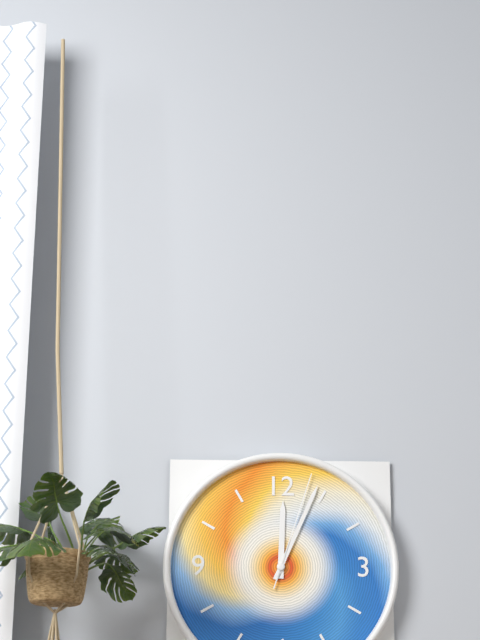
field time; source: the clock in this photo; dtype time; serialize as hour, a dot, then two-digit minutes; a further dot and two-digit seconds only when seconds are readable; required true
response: 12.04.03
